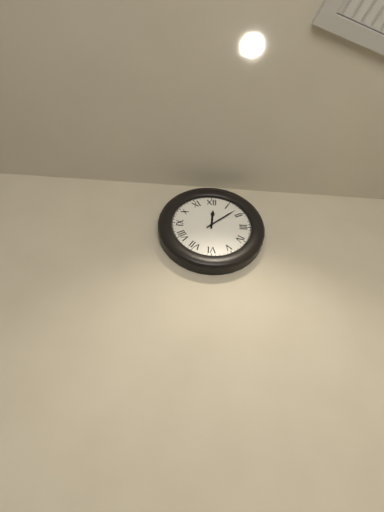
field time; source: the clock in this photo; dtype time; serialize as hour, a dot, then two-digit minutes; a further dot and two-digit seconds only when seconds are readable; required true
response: 12.08
